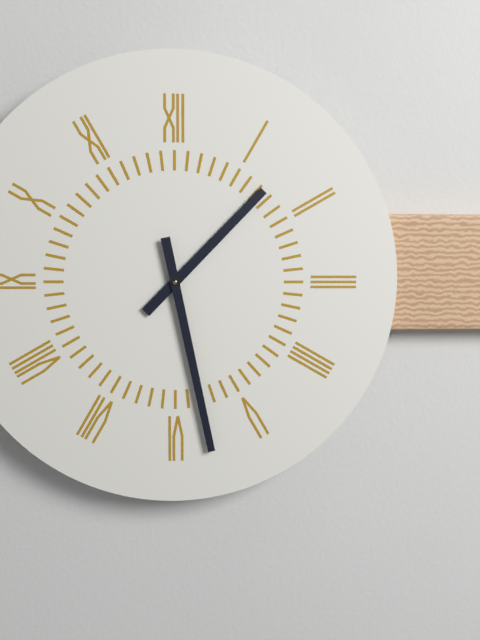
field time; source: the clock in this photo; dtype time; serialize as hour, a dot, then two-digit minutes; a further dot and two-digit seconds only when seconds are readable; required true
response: 1.28
